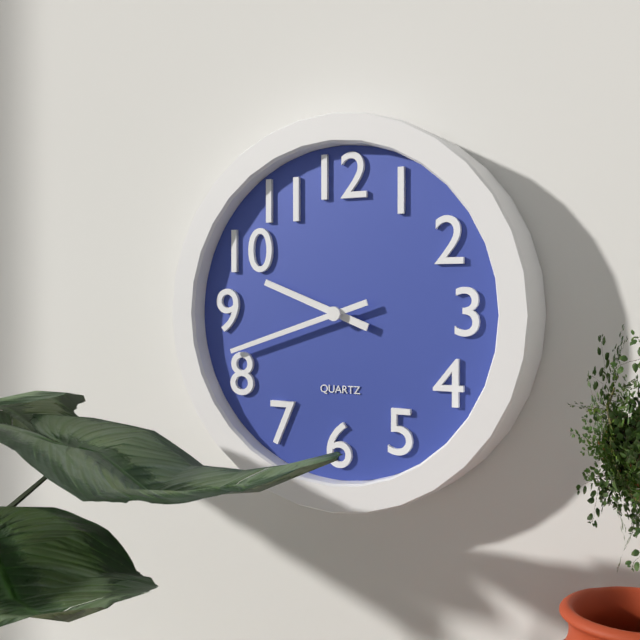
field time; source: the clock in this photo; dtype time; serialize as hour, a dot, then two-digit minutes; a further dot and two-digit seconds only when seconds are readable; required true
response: 9.42
